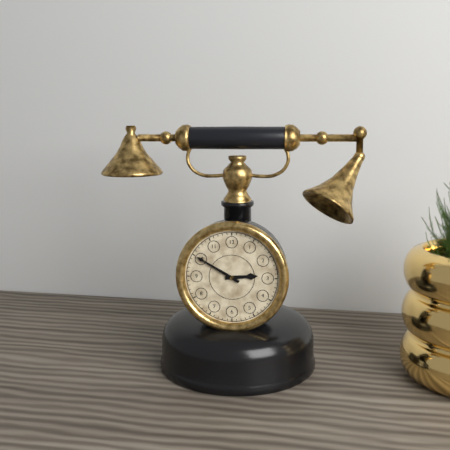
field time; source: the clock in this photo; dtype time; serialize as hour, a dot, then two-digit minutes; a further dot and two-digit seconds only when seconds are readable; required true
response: 2.50
